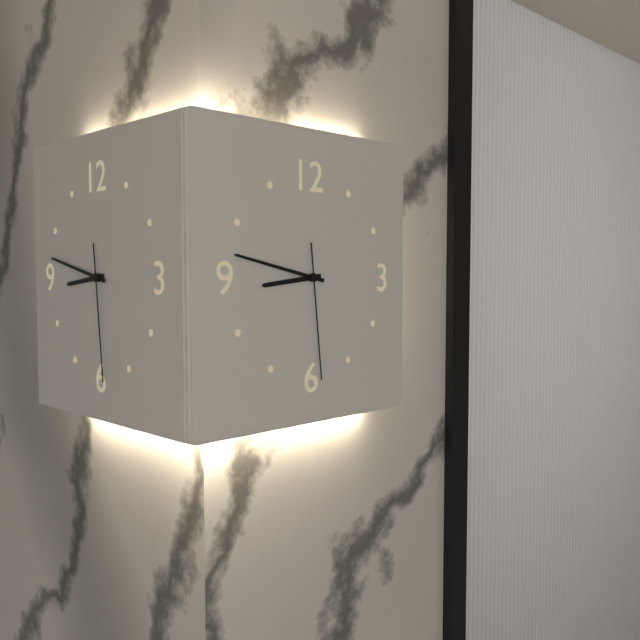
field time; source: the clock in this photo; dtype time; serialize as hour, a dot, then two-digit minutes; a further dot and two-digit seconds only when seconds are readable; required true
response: 8.47.29
